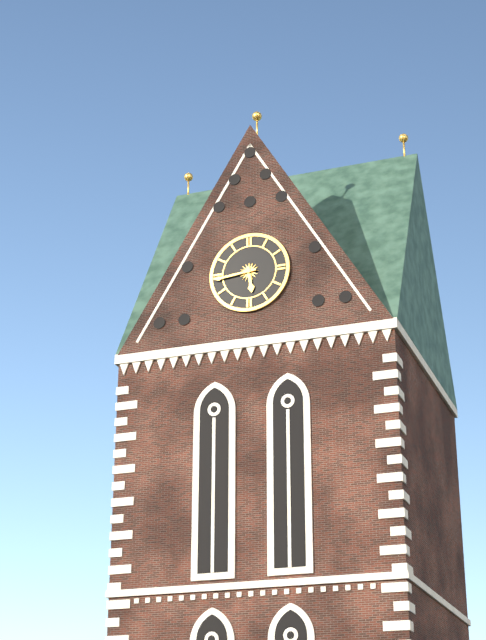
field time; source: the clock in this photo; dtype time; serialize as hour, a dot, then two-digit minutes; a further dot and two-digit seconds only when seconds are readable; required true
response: 5.44
